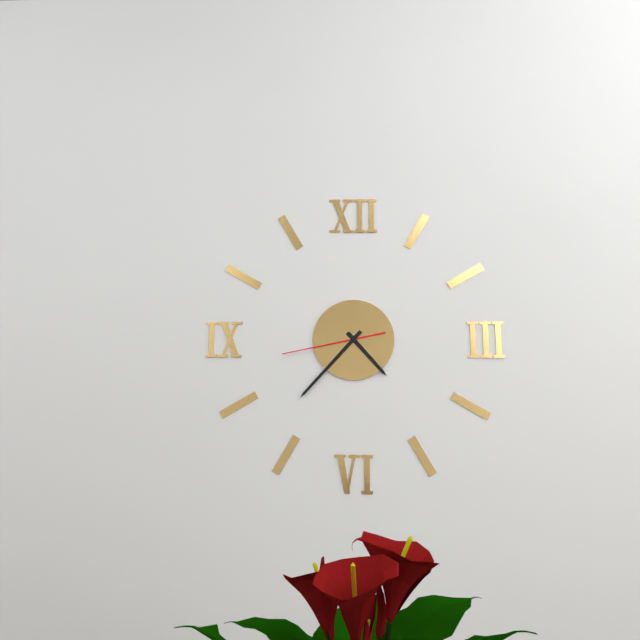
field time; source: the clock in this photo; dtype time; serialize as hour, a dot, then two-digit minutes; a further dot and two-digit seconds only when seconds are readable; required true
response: 4.37.43
